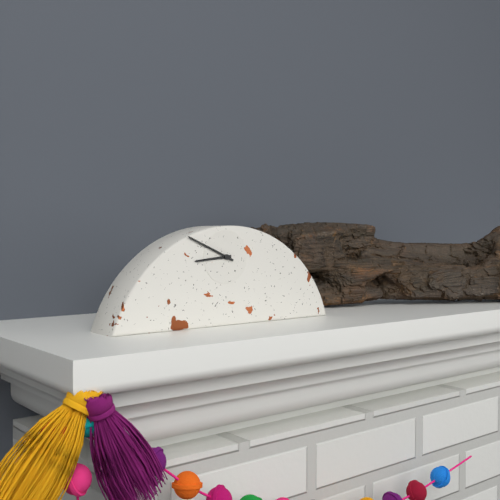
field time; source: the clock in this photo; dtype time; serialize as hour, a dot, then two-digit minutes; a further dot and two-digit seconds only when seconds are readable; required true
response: 8.49
